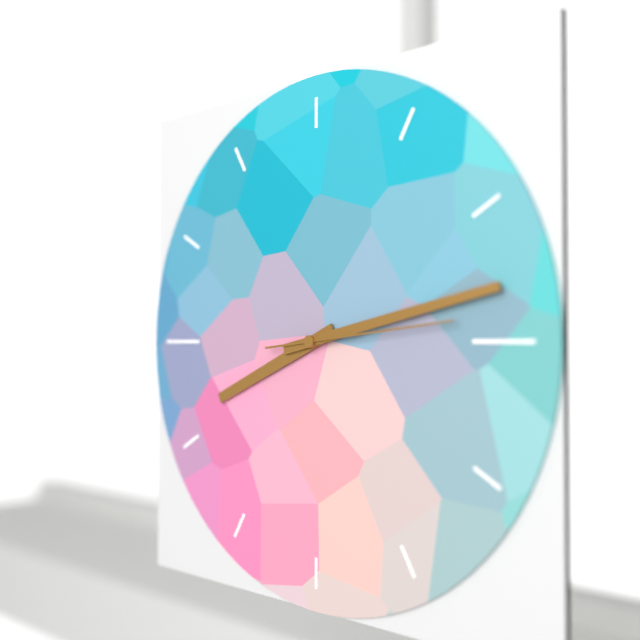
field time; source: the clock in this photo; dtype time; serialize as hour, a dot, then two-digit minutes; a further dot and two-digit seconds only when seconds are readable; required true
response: 8.13.14
